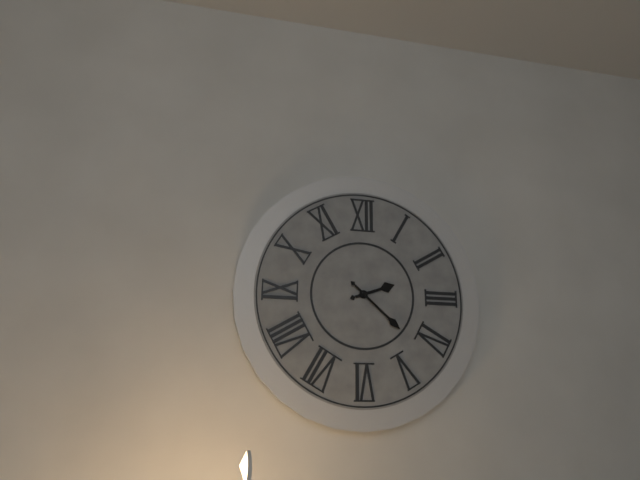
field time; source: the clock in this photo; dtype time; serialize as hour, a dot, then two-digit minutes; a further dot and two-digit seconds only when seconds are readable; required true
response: 2.22
